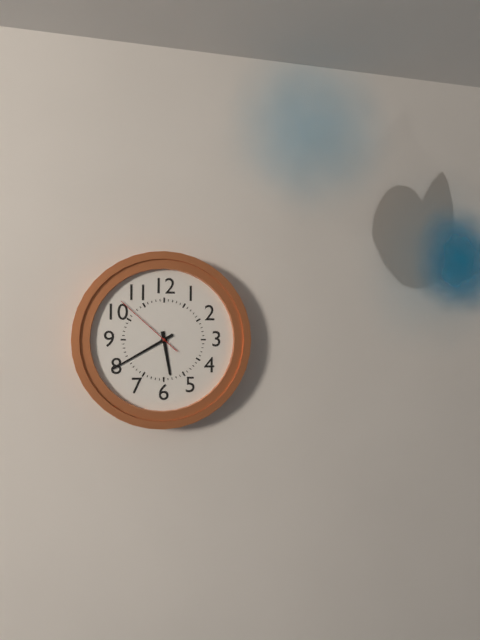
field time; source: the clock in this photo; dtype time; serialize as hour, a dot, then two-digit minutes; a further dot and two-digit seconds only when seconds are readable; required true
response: 5.40.52
